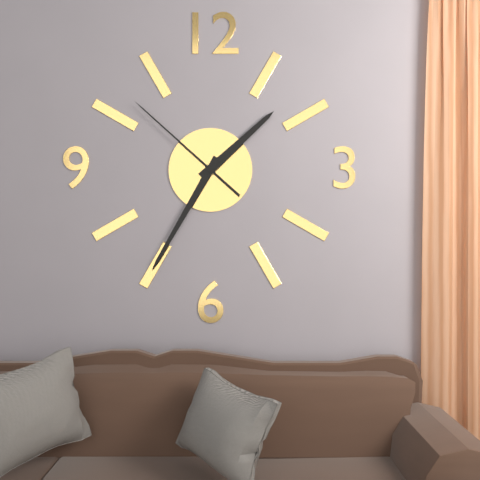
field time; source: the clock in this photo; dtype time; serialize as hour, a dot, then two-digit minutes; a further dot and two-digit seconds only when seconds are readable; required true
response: 1.35.52
